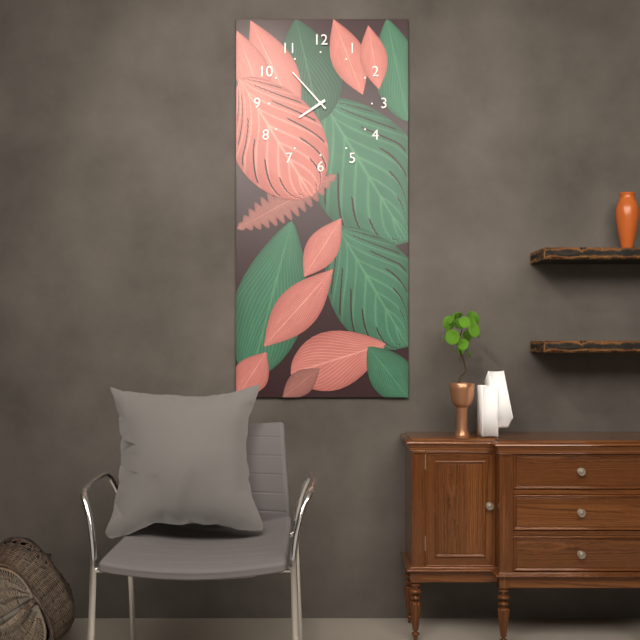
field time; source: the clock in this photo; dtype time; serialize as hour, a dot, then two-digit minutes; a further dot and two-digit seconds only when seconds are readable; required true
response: 7.53
